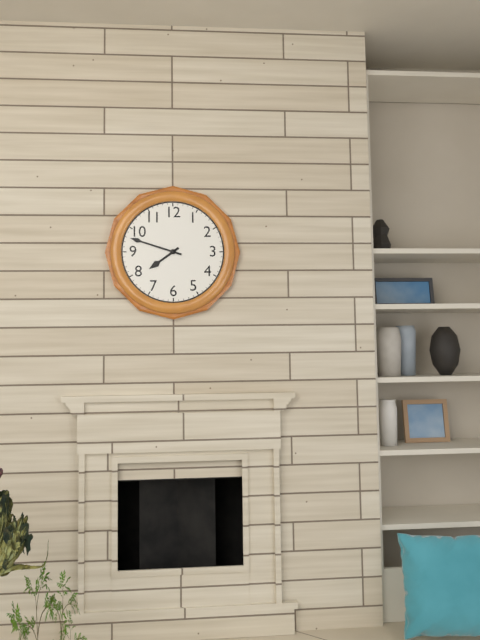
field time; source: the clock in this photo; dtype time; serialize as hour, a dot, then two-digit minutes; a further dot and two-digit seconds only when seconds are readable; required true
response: 7.48
